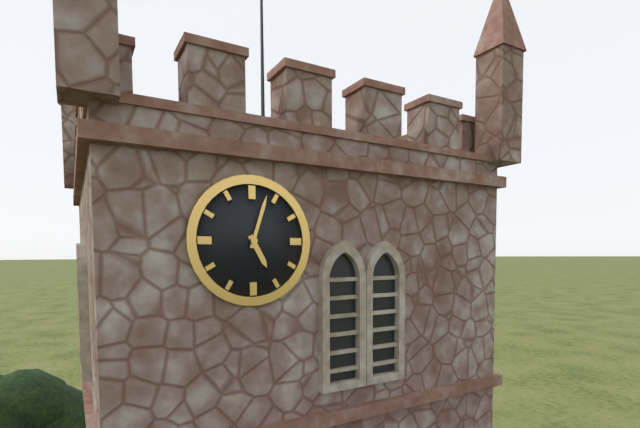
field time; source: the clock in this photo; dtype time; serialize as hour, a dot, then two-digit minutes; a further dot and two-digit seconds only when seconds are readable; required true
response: 5.03
